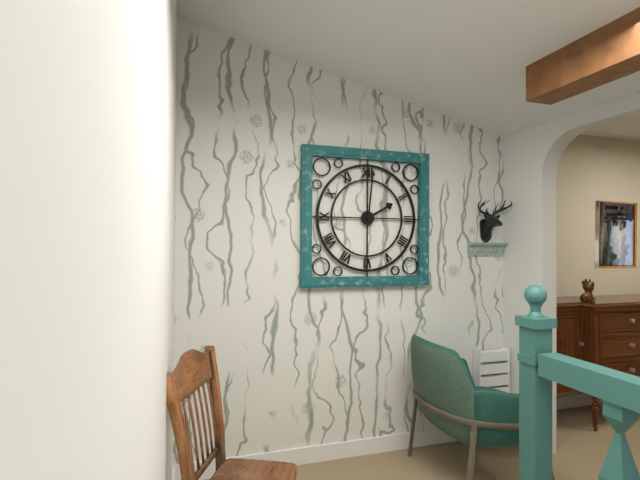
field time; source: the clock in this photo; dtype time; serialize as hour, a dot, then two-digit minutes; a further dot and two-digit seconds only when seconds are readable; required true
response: 2.01
